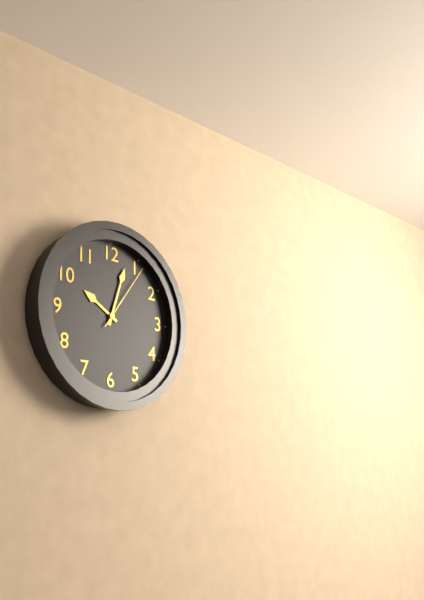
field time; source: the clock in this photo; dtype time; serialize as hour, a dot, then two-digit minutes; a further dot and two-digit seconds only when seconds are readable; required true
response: 10.03.06
